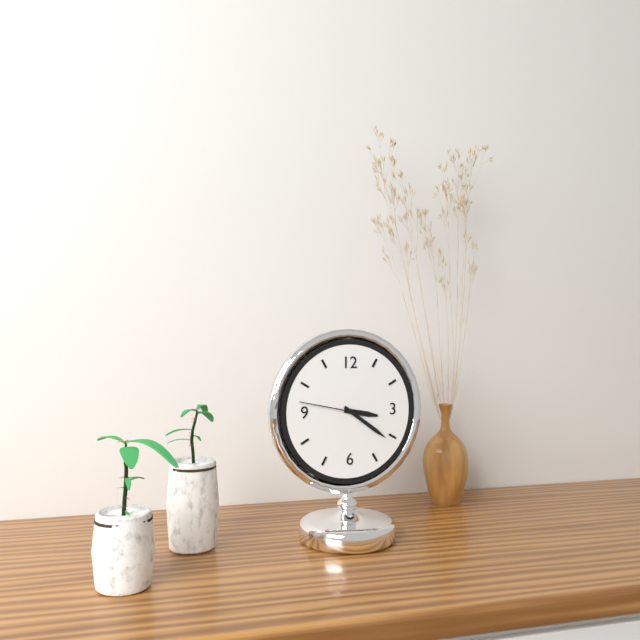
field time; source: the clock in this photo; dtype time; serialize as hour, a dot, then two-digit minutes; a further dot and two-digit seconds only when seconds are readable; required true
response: 3.21.47
